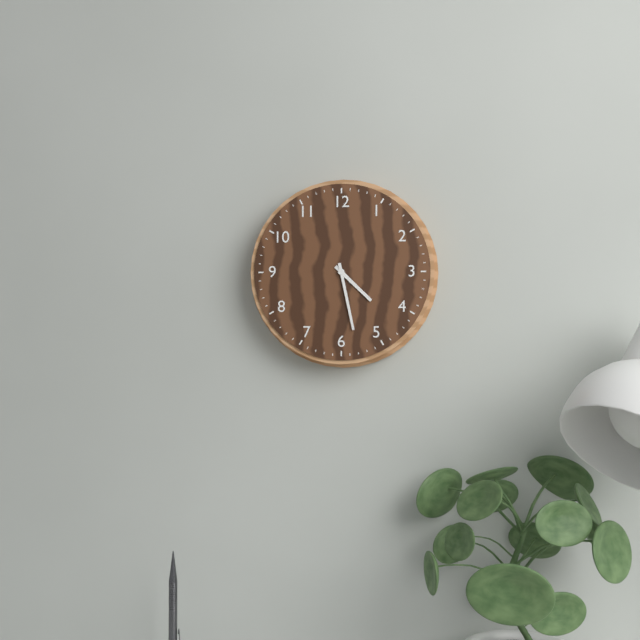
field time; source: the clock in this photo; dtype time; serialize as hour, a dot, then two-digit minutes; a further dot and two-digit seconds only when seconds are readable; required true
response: 4.28
